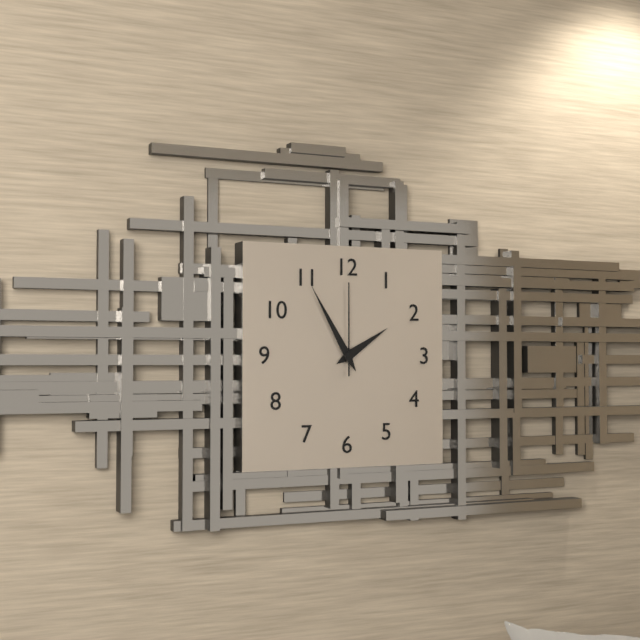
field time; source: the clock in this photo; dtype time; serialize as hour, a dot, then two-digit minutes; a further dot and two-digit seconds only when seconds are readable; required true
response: 1.55.00
